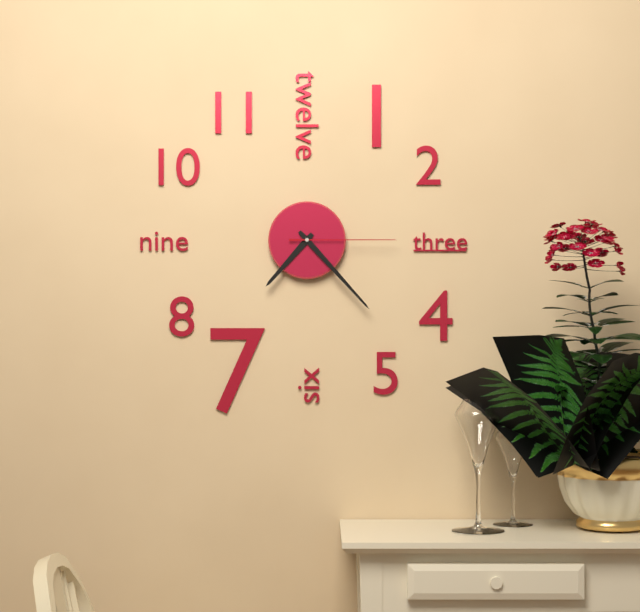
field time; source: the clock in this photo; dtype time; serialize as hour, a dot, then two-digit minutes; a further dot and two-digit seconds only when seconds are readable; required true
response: 7.23.15
